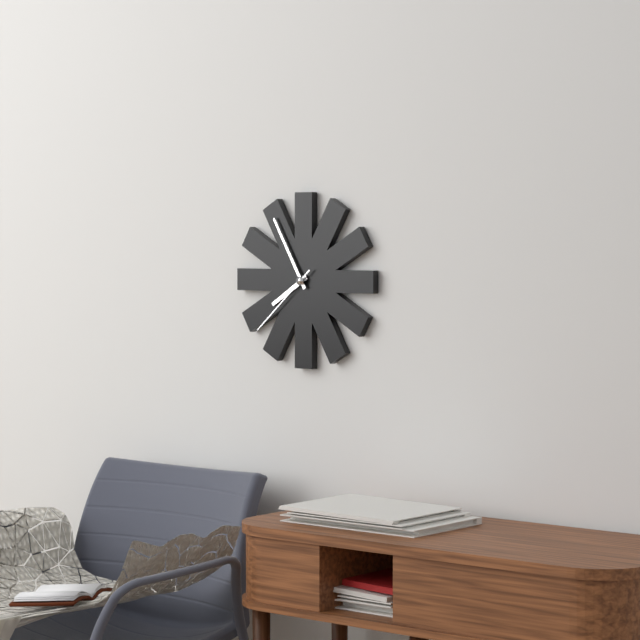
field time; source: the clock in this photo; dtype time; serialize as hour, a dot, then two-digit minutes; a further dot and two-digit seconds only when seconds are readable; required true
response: 7.55.38
